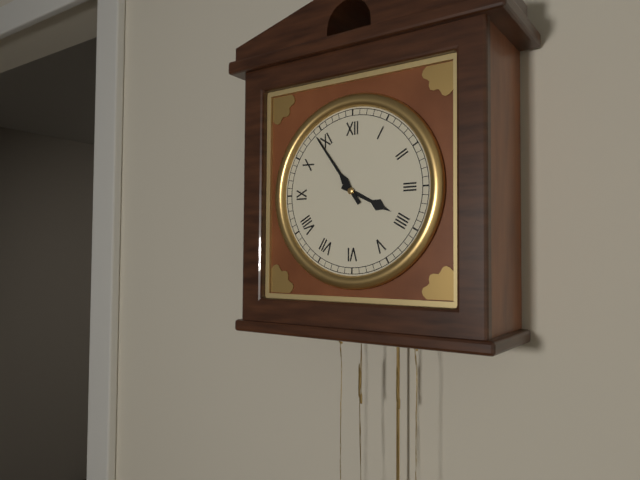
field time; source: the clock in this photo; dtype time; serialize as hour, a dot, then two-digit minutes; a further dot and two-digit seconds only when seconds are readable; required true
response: 3.54
